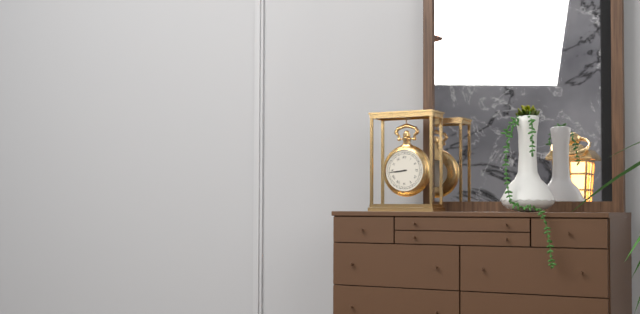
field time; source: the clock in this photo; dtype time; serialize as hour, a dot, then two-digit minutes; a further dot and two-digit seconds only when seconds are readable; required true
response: 8.44
